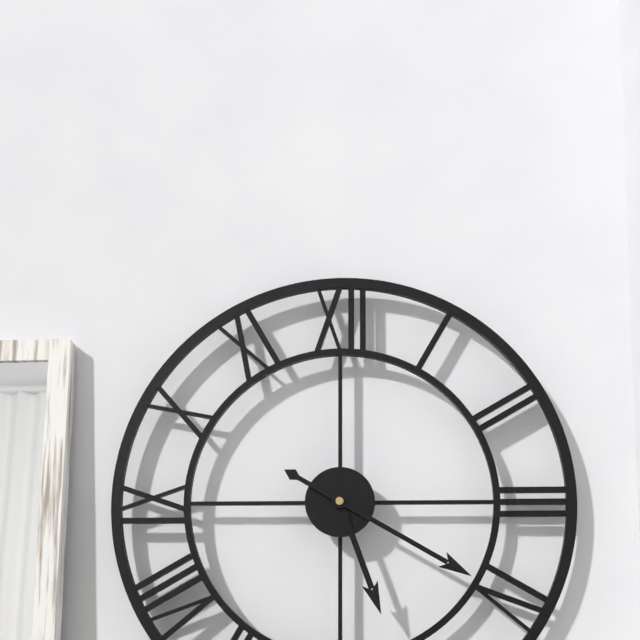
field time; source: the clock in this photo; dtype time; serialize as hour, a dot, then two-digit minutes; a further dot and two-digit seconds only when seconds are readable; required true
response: 5.20
